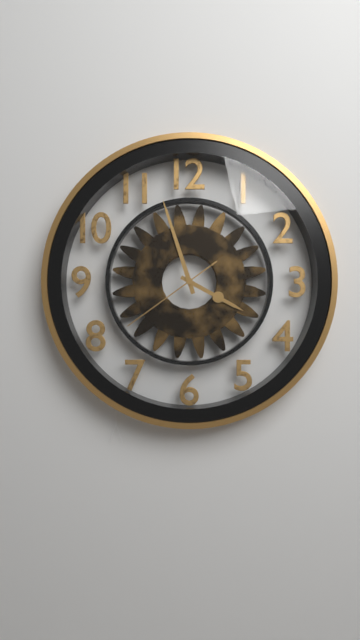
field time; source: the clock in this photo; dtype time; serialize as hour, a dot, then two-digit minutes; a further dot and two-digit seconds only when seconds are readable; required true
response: 3.57.39
